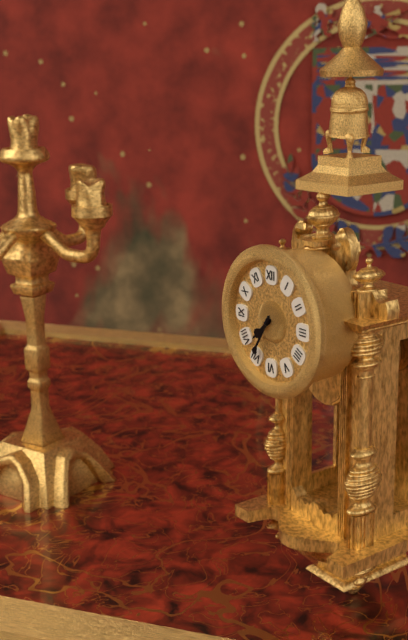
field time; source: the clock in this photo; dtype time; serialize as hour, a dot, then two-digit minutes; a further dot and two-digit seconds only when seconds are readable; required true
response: 7.35
